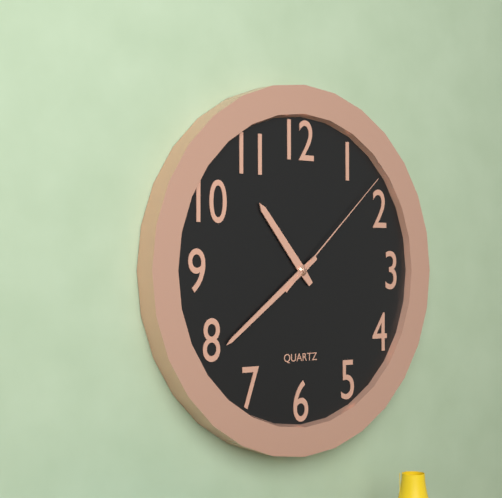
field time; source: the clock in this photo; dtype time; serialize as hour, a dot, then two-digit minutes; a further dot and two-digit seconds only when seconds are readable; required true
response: 10.39.08
